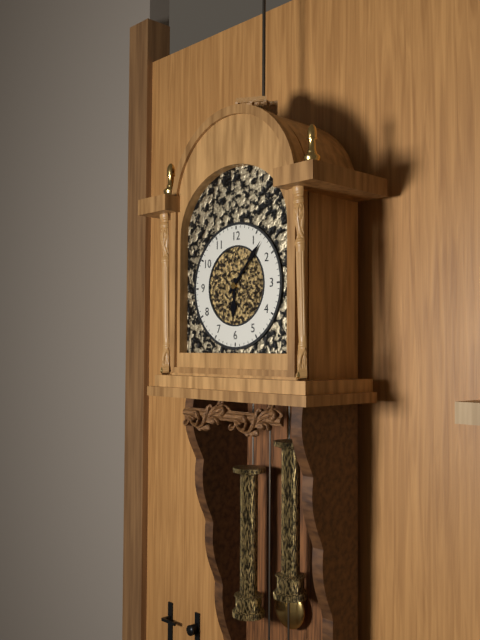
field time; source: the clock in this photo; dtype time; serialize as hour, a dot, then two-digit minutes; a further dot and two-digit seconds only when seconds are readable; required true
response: 6.07
